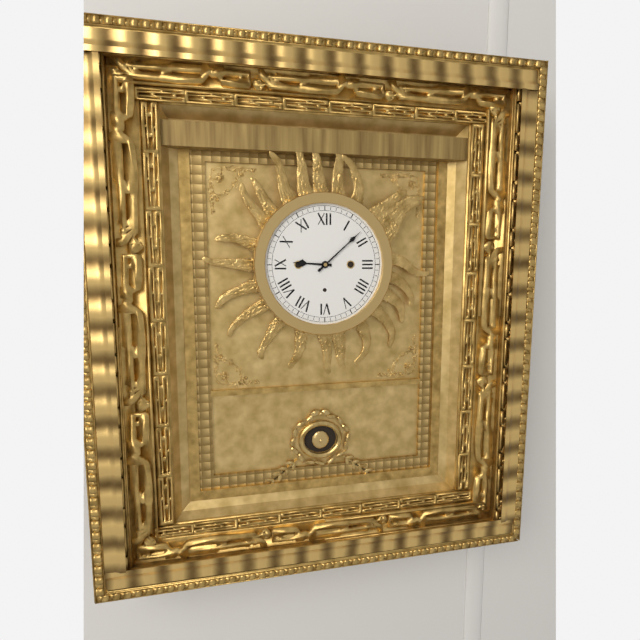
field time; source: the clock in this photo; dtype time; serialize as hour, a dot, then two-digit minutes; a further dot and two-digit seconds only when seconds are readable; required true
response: 9.08
